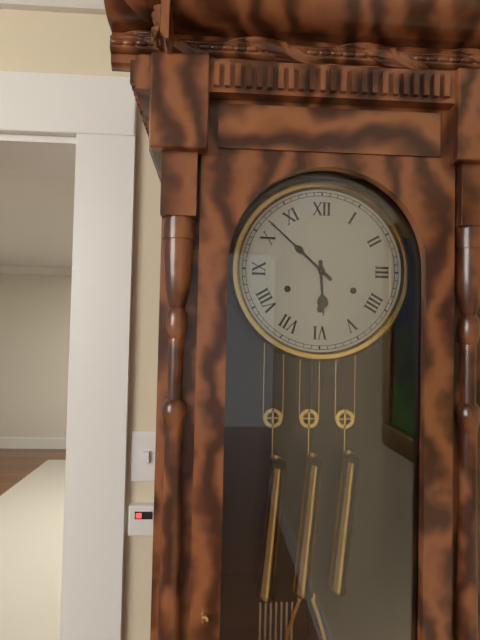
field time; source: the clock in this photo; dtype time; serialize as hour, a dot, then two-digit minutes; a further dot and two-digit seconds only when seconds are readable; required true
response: 5.52
